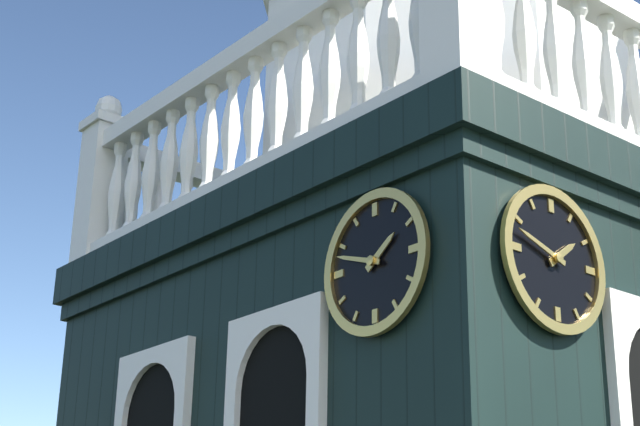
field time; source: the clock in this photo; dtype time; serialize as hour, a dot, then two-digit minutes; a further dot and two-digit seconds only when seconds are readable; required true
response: 1.48
